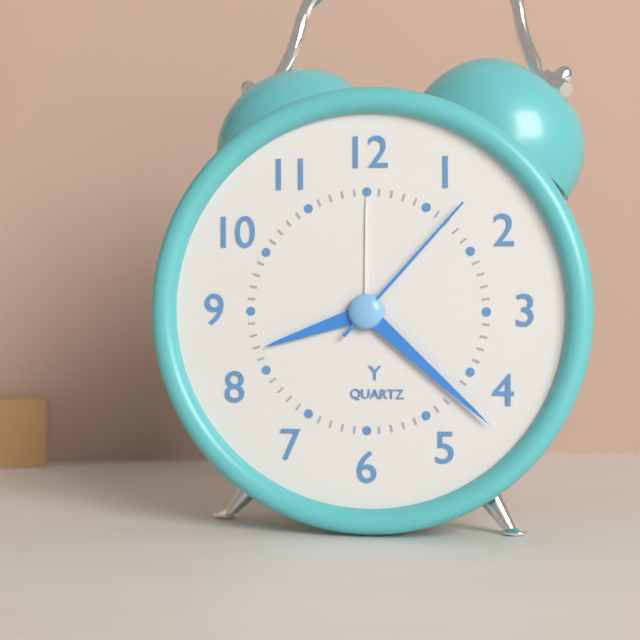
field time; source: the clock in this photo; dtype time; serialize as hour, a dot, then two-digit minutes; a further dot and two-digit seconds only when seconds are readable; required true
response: 8.22.07
